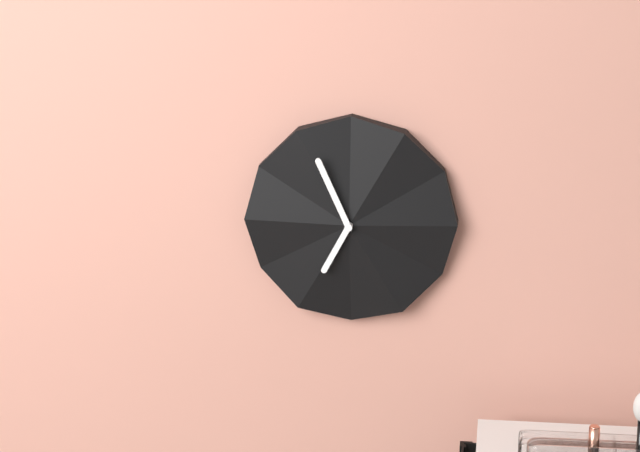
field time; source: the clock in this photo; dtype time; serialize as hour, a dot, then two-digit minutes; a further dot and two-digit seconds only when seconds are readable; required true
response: 6.56
